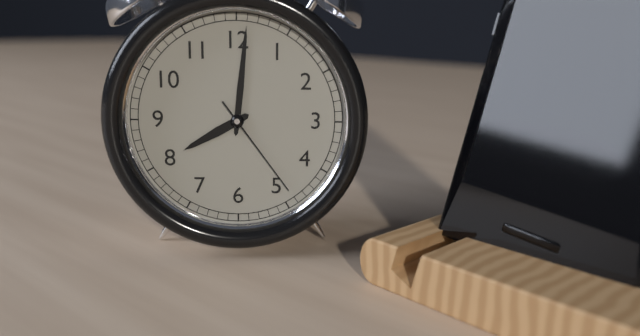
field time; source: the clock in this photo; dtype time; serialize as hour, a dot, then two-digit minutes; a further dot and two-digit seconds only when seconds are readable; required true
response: 8.01.24
